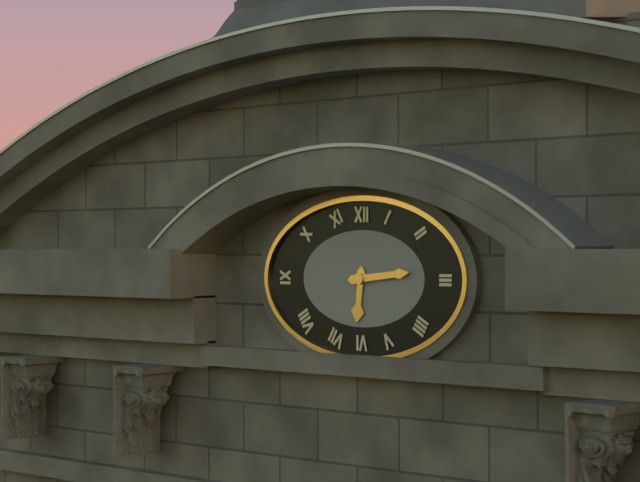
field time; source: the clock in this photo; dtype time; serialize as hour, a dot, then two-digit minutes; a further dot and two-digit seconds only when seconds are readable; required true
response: 6.14
